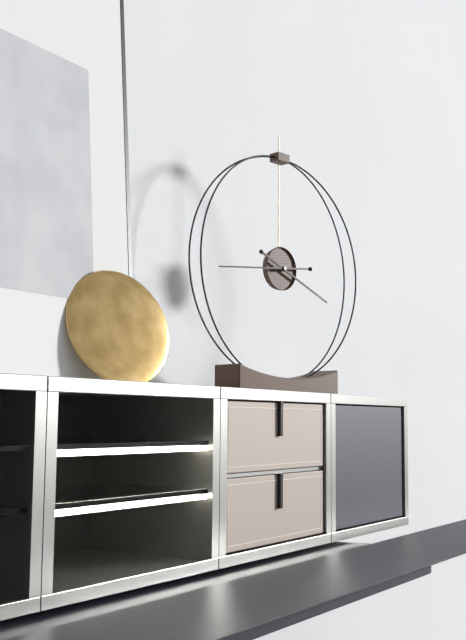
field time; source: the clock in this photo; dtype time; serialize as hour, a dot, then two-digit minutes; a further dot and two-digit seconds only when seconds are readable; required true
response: 3.44
